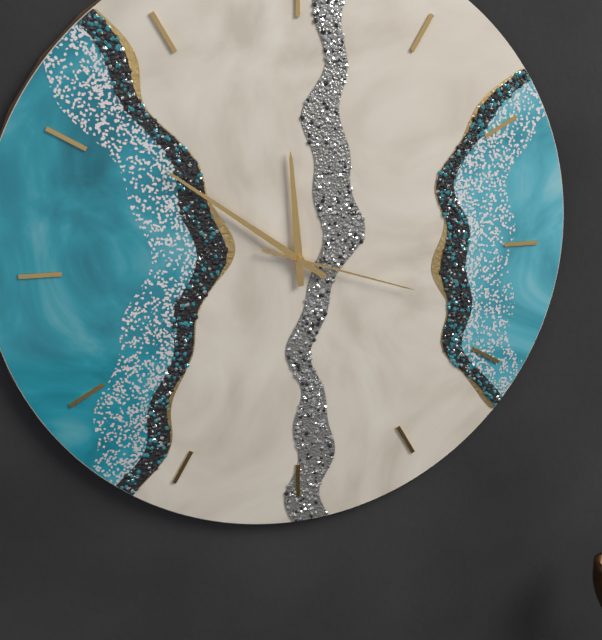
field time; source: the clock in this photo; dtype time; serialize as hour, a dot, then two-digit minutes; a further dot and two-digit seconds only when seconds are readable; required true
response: 11.51.18
